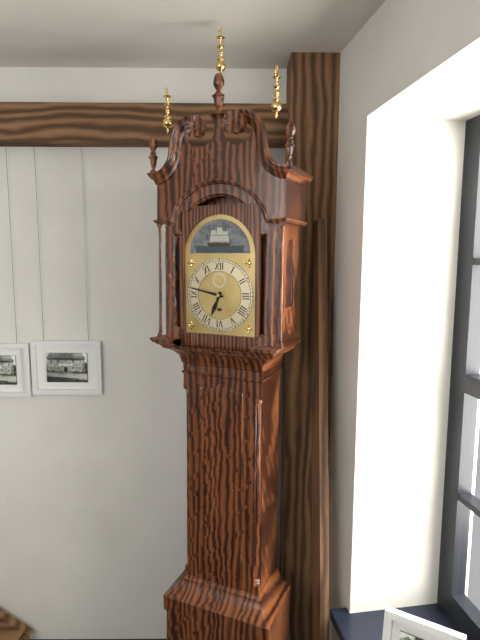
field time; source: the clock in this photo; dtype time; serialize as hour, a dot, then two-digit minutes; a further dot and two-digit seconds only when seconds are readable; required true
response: 6.47
